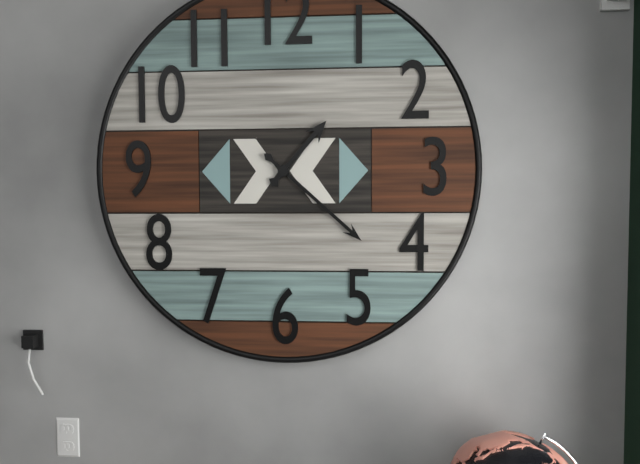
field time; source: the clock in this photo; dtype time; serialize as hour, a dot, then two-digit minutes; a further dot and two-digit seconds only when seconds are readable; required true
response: 1.22
